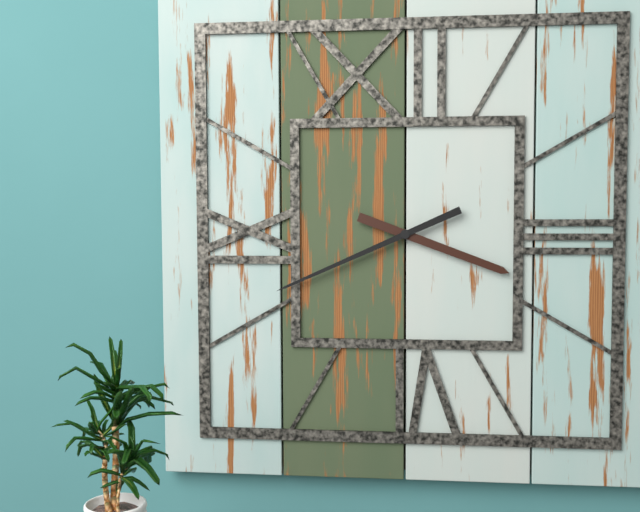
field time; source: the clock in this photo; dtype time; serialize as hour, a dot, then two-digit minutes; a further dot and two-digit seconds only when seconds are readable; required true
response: 3.41
